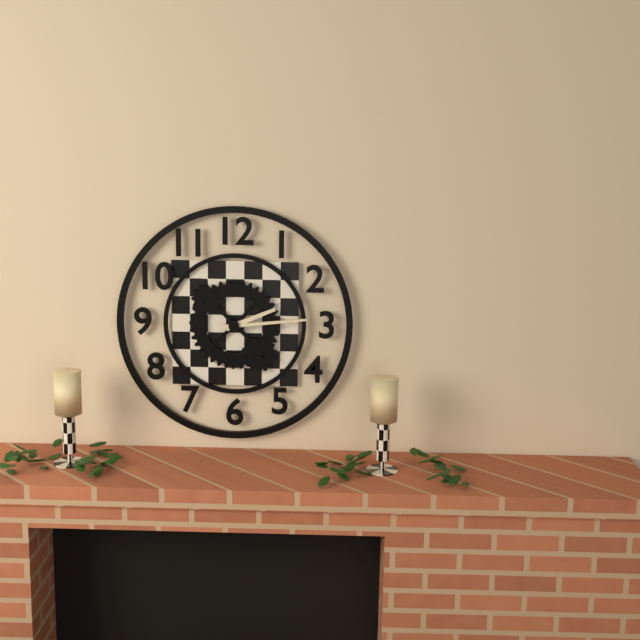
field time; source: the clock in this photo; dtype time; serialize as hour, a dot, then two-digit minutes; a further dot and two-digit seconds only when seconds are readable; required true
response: 2.14
